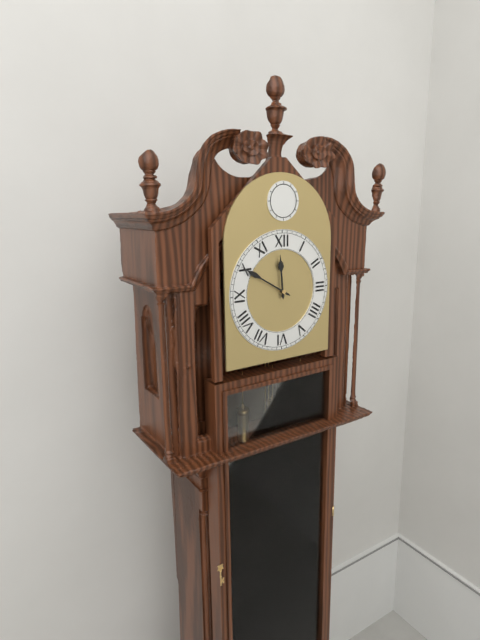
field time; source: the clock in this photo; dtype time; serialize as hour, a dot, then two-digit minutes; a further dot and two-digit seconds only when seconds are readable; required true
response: 11.50
